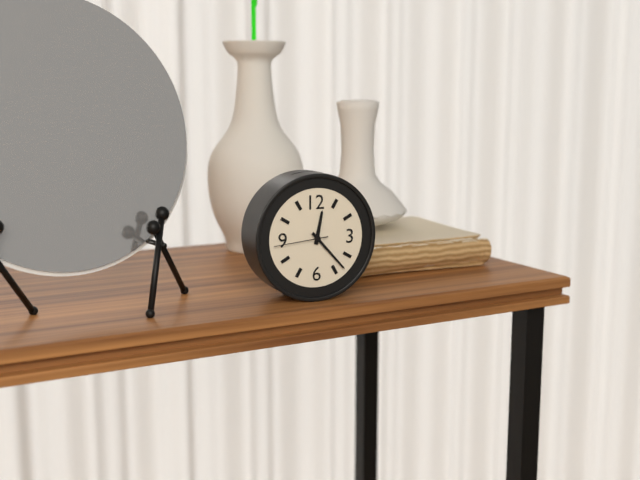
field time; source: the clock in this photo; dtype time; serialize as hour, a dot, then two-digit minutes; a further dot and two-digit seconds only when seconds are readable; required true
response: 12.23.44
